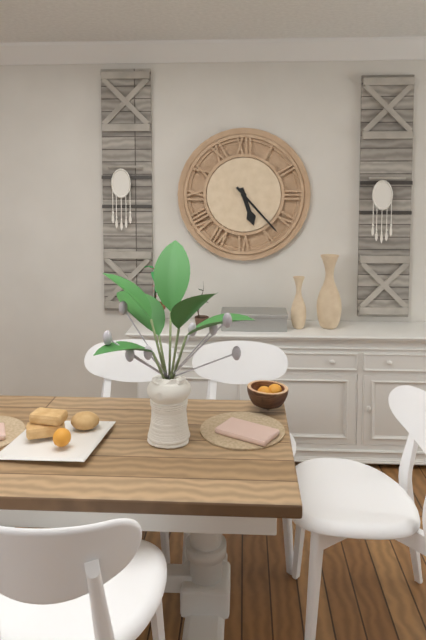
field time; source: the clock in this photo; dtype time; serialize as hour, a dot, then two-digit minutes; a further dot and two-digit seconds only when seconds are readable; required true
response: 5.23
